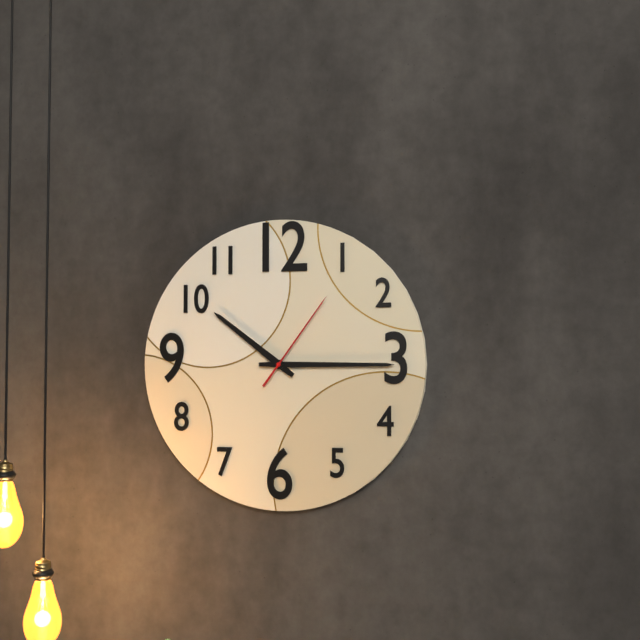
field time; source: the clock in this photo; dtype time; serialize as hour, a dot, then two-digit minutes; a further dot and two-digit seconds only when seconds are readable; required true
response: 10.15.06
